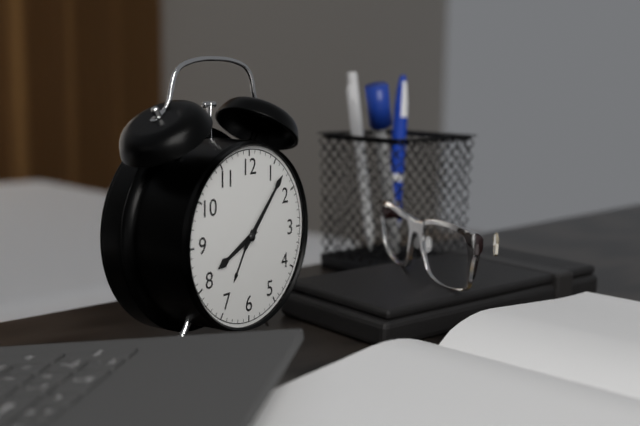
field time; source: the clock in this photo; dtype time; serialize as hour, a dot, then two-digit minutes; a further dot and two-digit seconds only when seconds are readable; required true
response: 8.07
